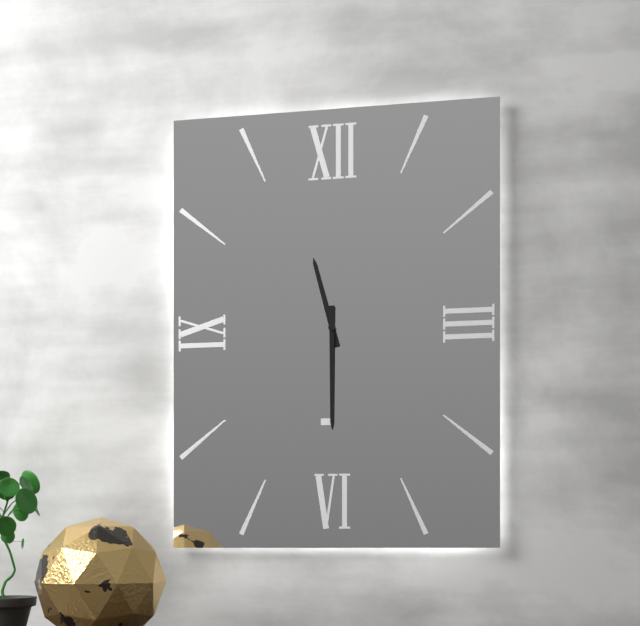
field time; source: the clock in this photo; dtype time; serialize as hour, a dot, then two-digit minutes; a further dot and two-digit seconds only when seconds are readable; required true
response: 11.30
